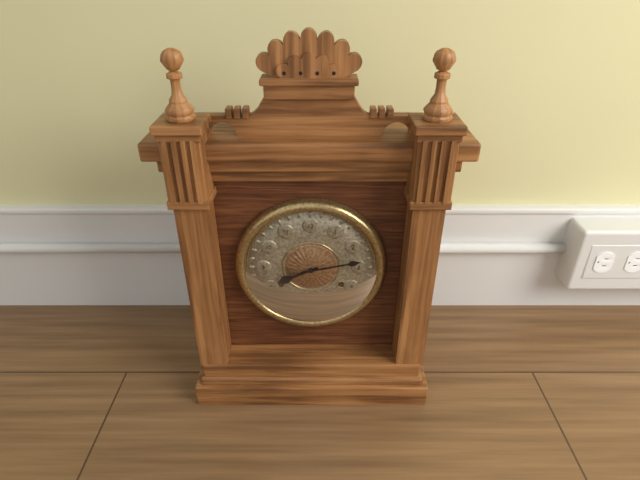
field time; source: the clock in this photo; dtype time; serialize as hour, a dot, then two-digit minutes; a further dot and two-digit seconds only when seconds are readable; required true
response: 8.13
